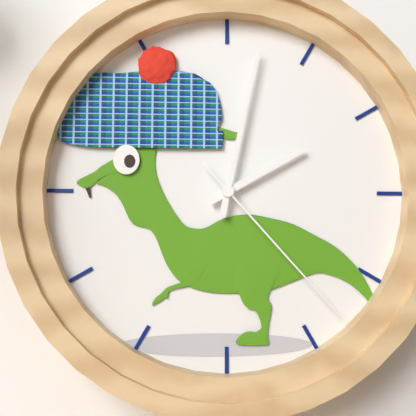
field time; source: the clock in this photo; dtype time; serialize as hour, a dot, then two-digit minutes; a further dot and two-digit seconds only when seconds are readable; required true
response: 2.02.23
